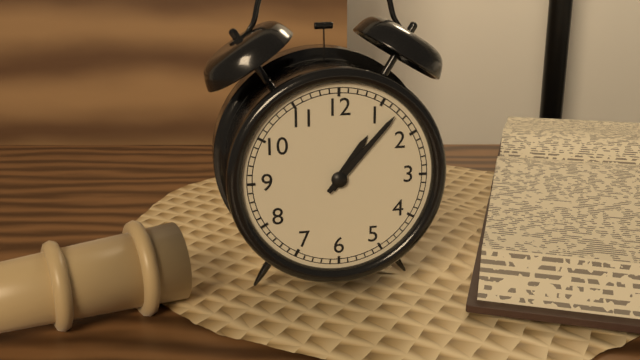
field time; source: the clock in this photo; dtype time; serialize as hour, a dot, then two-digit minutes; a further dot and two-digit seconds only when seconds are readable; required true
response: 1.07
